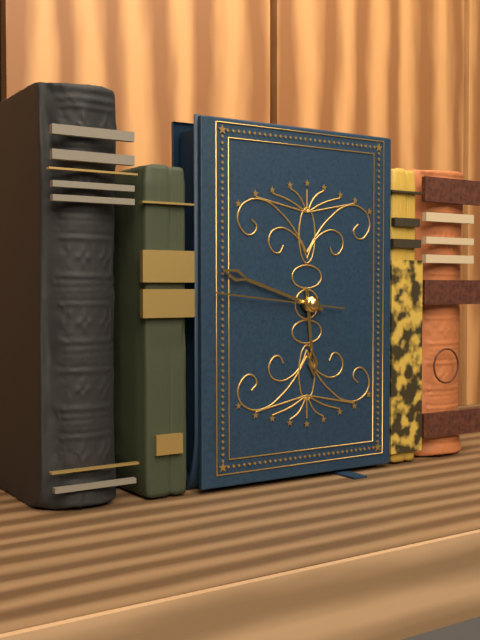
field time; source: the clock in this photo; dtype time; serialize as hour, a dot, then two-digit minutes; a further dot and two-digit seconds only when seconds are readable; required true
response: 5.48.46
